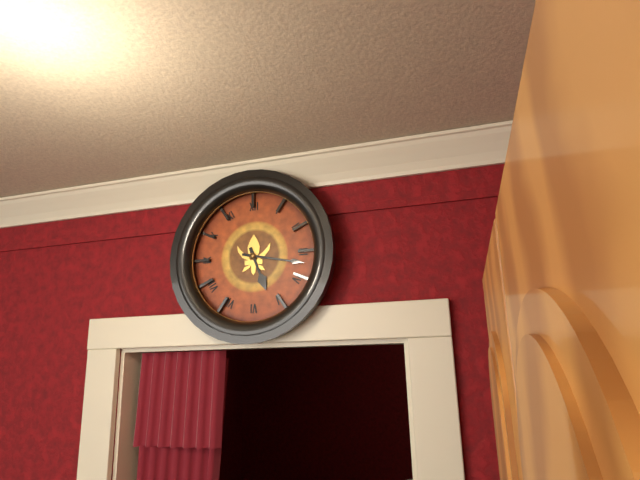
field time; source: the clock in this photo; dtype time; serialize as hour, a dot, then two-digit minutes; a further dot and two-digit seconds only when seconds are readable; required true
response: 5.17
